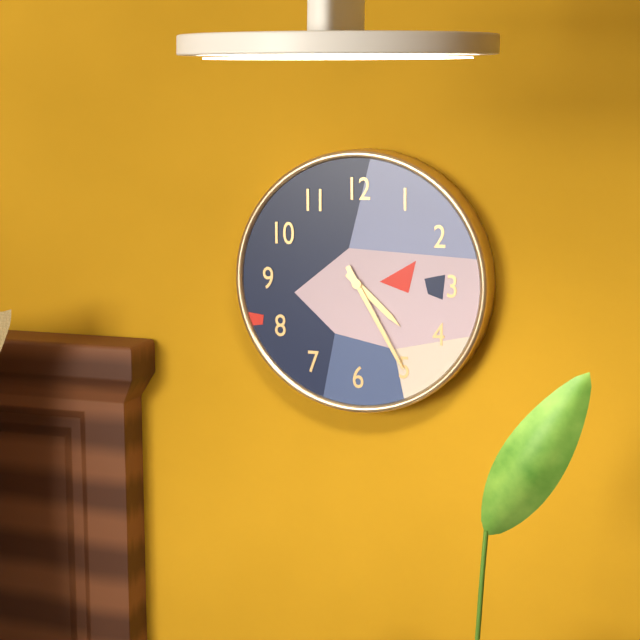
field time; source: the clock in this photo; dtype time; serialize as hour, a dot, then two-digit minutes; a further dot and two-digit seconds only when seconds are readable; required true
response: 4.25
